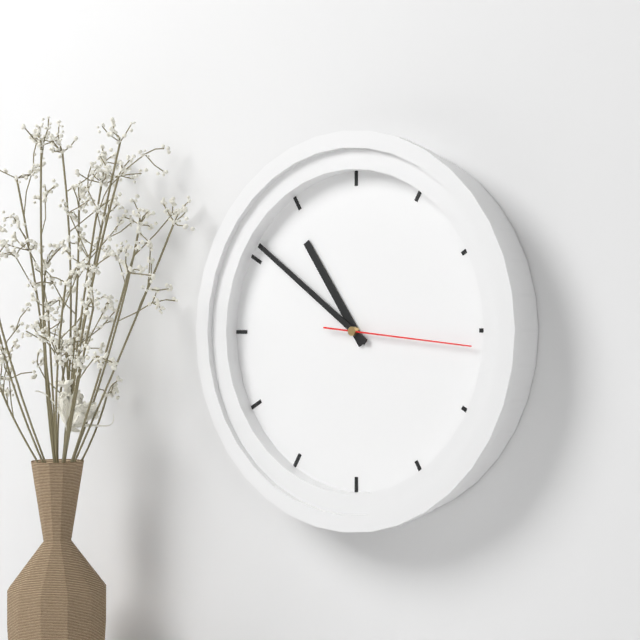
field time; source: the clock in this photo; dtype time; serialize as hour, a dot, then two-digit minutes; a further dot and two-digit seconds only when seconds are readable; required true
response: 10.51.16
